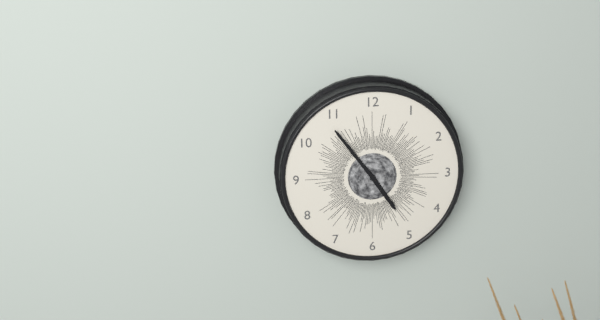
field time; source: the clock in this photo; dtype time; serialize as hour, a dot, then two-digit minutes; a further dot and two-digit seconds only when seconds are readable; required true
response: 4.54
